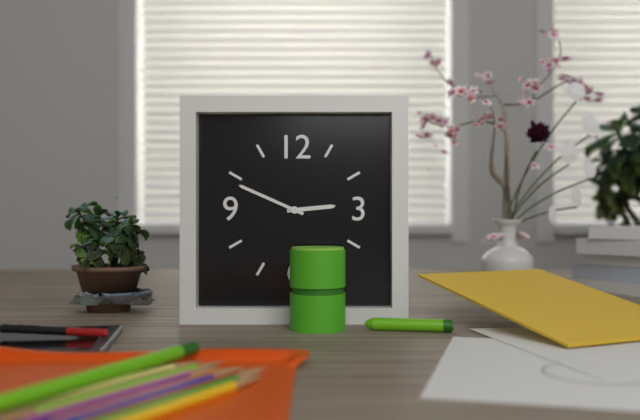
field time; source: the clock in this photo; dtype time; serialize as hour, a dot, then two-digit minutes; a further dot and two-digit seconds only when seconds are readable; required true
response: 2.49
